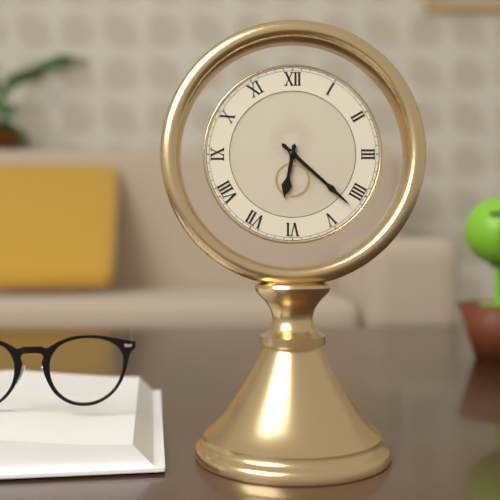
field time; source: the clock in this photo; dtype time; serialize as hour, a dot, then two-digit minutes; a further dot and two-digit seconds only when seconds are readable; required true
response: 6.22
